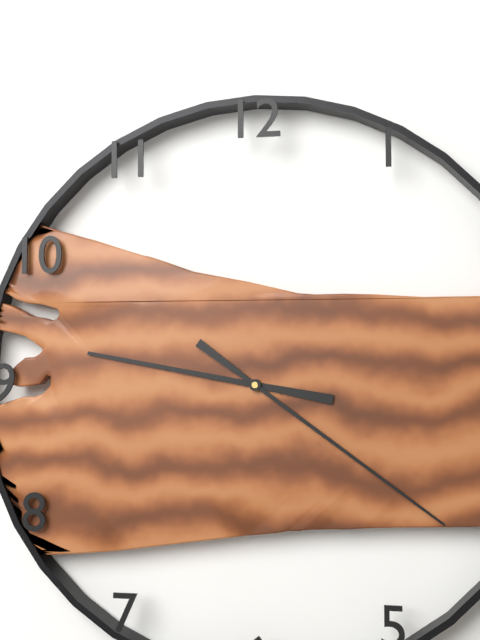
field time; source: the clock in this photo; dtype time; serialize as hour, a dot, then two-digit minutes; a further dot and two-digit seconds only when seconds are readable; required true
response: 9.21
